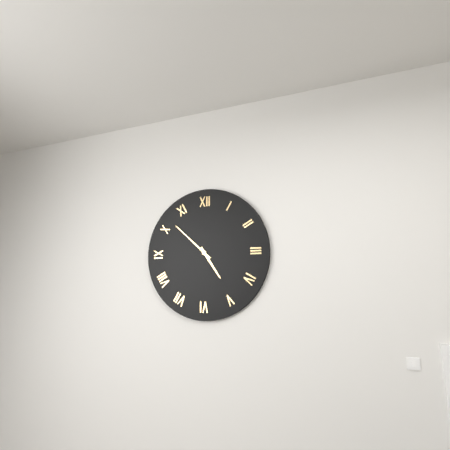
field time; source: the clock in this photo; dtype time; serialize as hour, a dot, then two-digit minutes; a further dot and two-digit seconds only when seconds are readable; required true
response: 4.52
